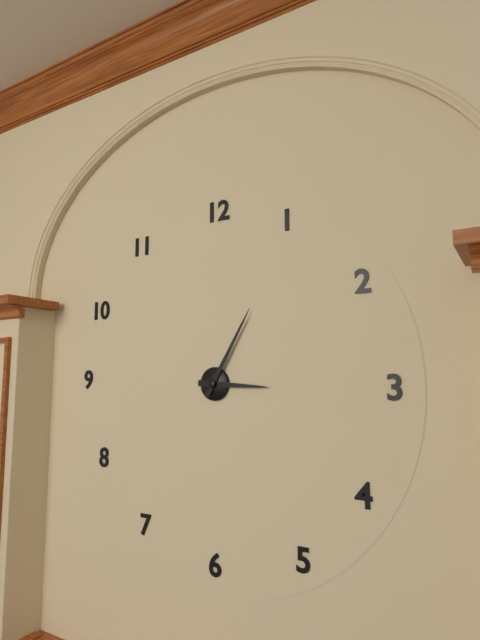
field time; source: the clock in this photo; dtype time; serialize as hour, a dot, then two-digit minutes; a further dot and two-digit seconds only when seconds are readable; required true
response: 3.05
